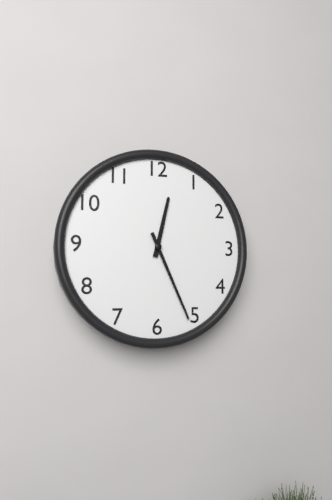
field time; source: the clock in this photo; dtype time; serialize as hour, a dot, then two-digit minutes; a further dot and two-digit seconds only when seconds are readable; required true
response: 12.26
